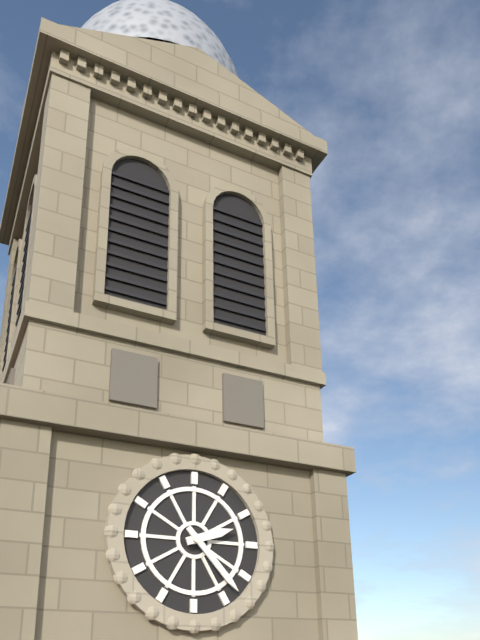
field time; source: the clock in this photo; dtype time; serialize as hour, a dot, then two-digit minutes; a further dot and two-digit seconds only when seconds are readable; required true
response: 2.23
